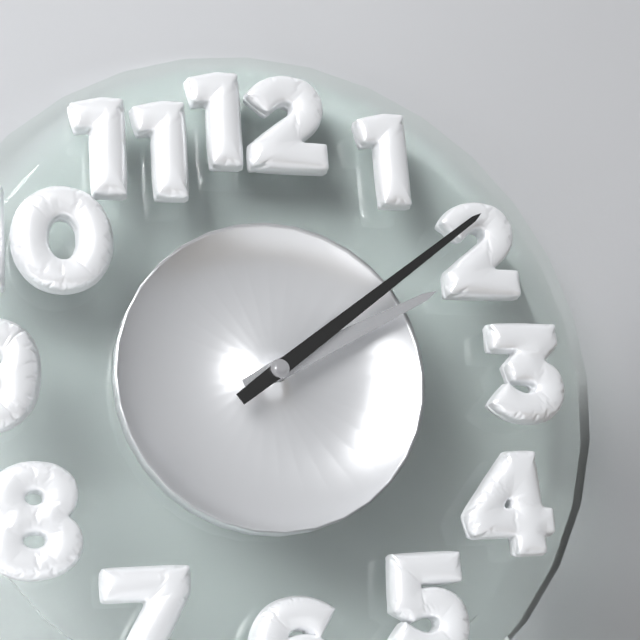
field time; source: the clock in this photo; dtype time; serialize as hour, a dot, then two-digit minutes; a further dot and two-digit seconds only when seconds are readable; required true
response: 2.09
